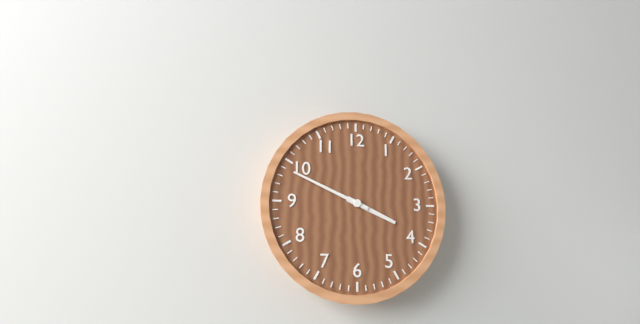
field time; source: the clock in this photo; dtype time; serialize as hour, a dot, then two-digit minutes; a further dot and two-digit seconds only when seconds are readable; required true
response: 3.49
